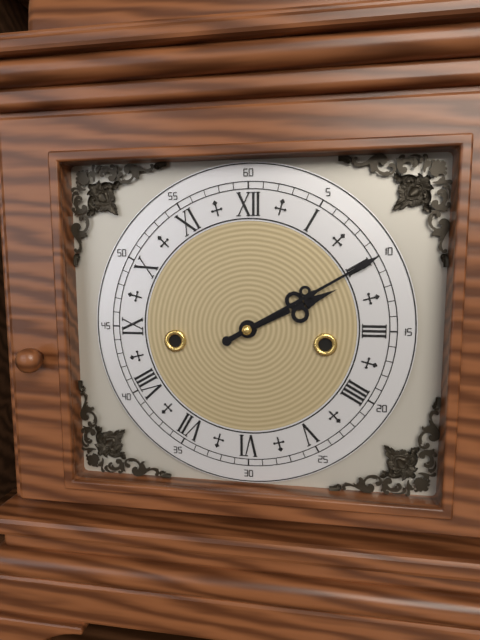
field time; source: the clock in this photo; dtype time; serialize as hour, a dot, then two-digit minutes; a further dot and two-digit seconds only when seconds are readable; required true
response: 2.10
